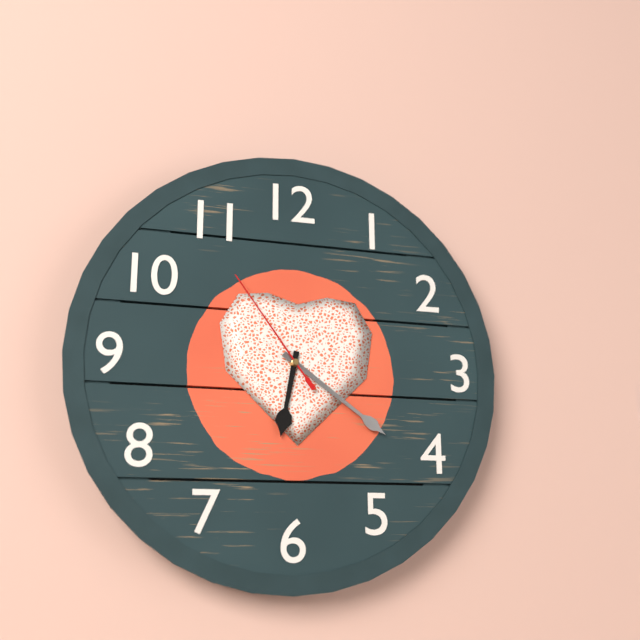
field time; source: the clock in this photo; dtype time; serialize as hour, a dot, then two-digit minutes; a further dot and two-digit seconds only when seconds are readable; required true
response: 6.21.54
